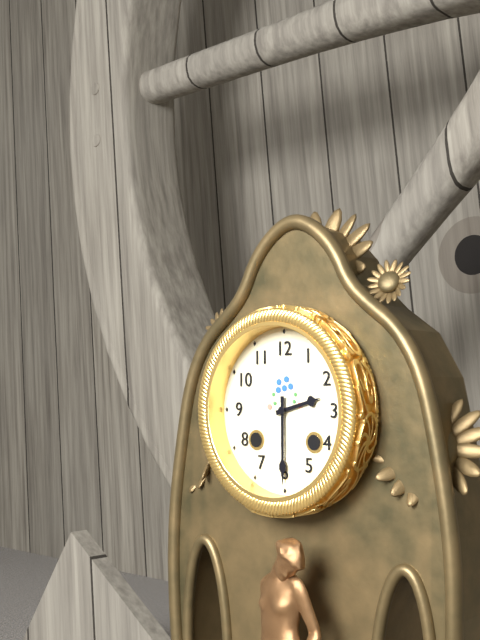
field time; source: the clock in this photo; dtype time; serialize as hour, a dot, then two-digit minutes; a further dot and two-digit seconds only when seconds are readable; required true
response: 2.30
